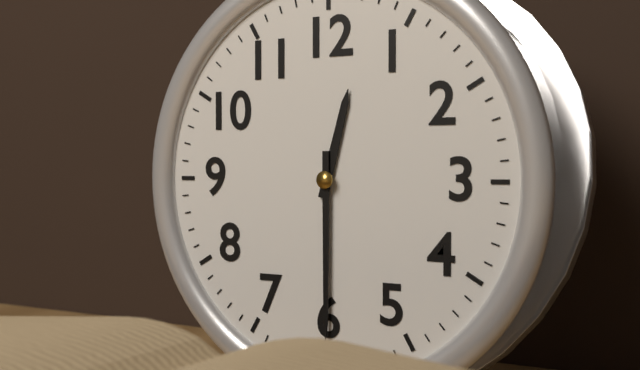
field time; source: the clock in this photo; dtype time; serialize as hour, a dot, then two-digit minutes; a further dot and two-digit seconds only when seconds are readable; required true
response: 12.30
